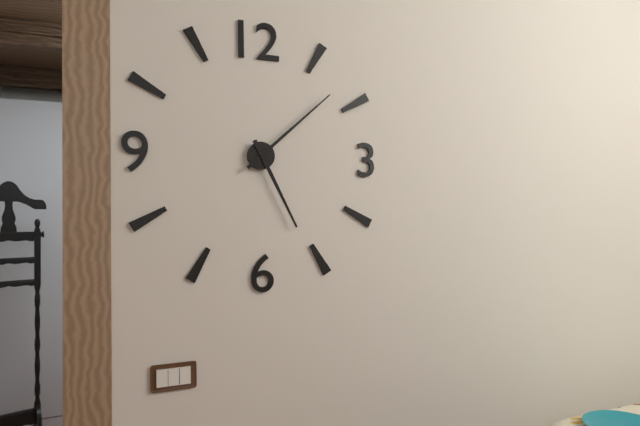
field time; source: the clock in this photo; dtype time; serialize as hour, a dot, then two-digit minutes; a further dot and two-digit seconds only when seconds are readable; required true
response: 5.08
